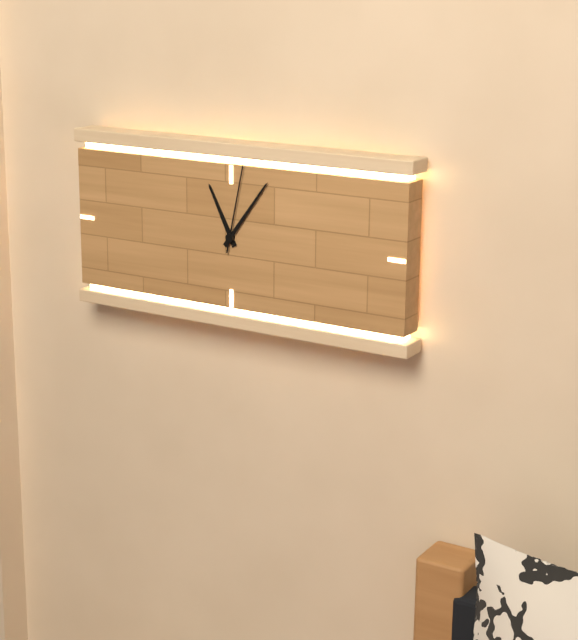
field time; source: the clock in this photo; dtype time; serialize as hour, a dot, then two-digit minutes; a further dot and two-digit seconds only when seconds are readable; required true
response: 11.06.02
